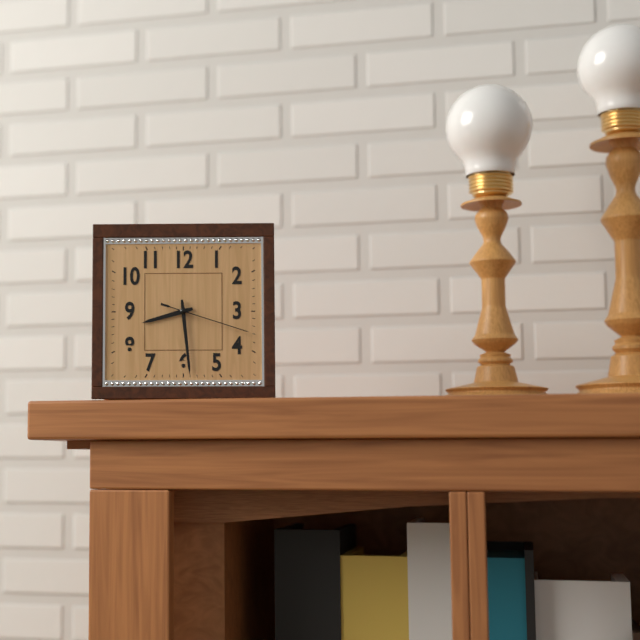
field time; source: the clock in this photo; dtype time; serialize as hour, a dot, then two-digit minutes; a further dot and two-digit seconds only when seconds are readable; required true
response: 8.29.18
